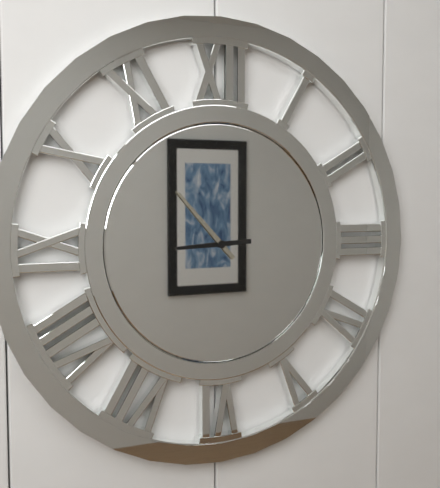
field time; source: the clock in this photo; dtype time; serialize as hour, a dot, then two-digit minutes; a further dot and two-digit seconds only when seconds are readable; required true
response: 8.53
